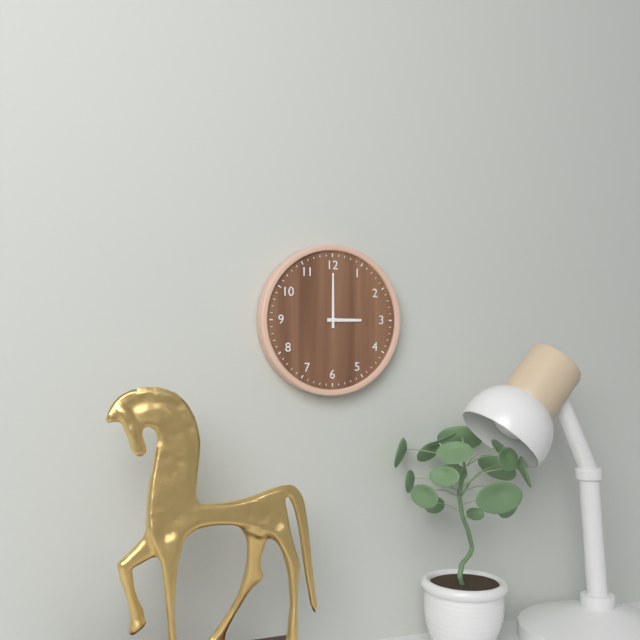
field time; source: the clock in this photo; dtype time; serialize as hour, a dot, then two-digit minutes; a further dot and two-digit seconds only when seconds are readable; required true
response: 3.00
